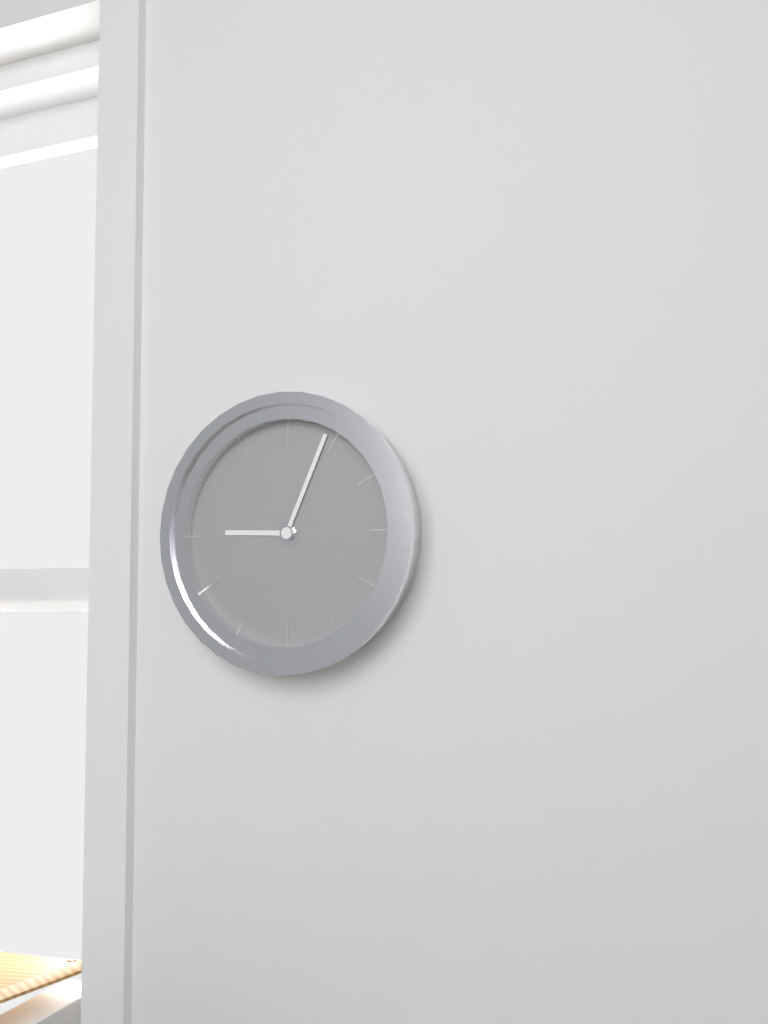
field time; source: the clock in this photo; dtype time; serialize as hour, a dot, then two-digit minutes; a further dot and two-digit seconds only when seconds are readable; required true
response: 9.04
